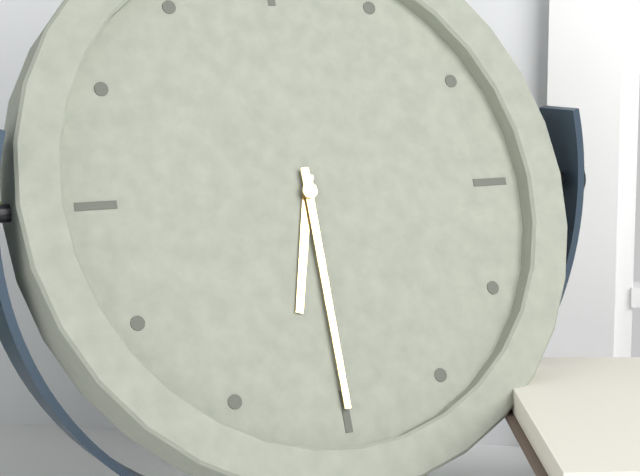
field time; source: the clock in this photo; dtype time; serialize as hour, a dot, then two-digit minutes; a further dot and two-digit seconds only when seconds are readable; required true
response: 6.30
